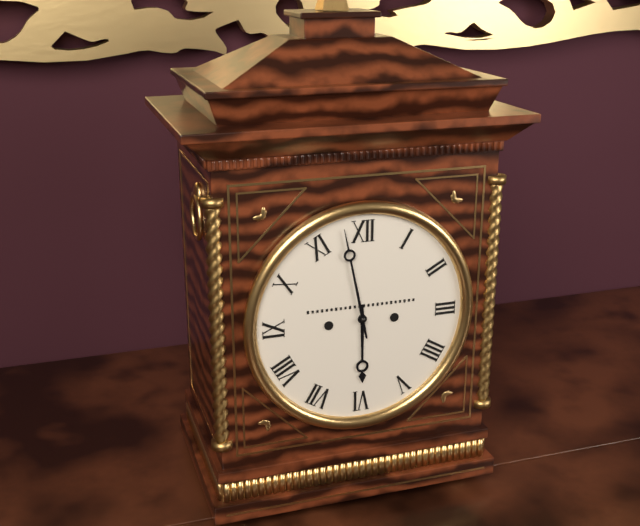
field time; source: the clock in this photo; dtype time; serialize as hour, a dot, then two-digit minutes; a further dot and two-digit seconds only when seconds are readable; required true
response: 5.58
